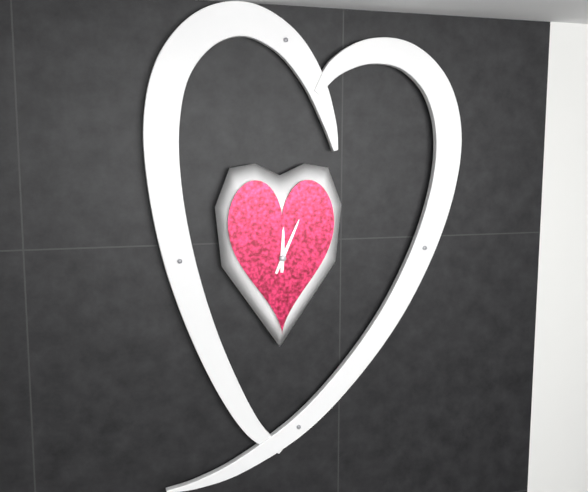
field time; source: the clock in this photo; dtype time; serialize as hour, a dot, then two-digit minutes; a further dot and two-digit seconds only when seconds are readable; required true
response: 12.04
